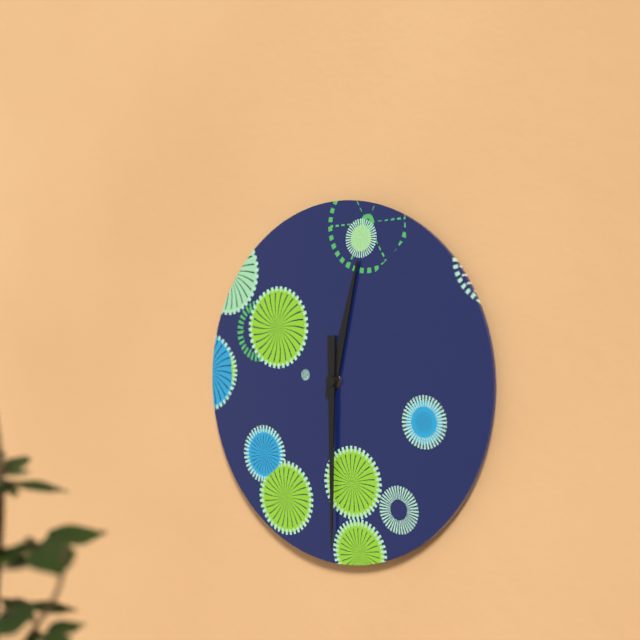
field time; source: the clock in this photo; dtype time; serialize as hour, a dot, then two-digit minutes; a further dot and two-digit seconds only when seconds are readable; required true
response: 12.30
